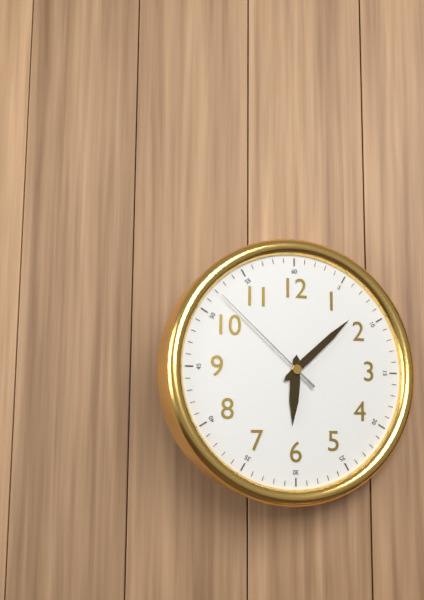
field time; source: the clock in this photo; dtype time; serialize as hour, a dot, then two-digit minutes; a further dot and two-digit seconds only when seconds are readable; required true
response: 6.08.52
